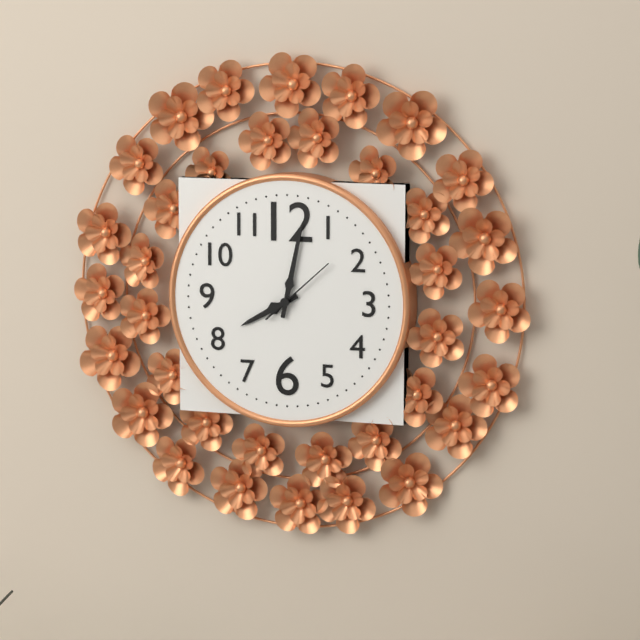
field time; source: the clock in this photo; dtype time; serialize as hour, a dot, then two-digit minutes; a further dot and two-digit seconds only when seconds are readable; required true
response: 8.02.08
